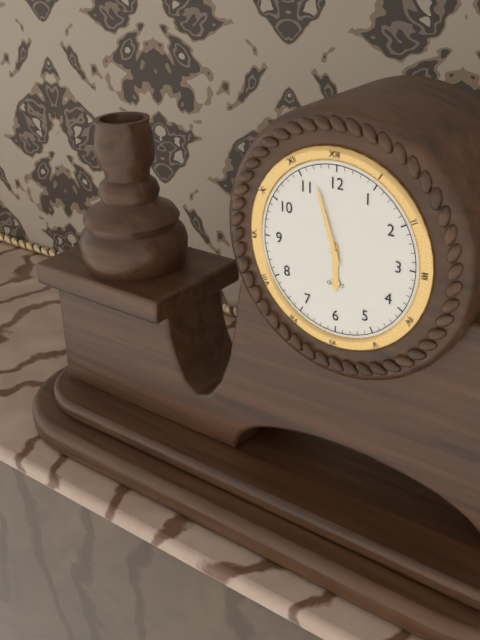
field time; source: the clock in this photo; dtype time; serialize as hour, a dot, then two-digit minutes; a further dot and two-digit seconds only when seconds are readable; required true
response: 5.57
